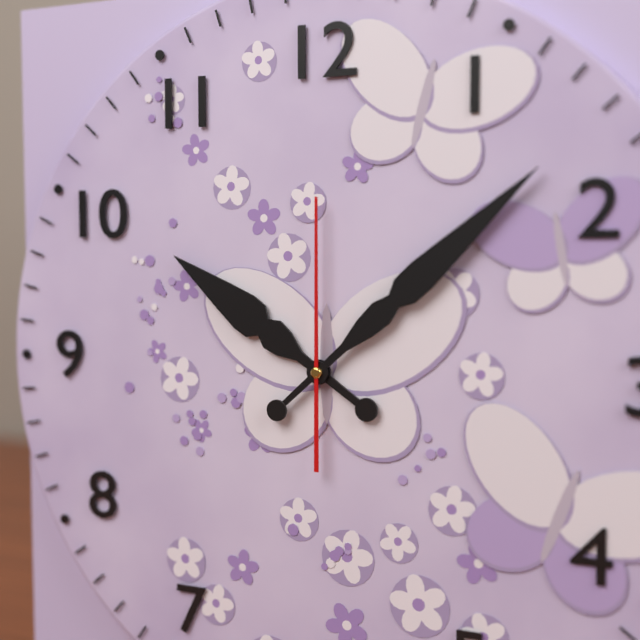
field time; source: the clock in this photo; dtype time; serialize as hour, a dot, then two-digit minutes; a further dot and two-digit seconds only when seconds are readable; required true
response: 10.08.00
